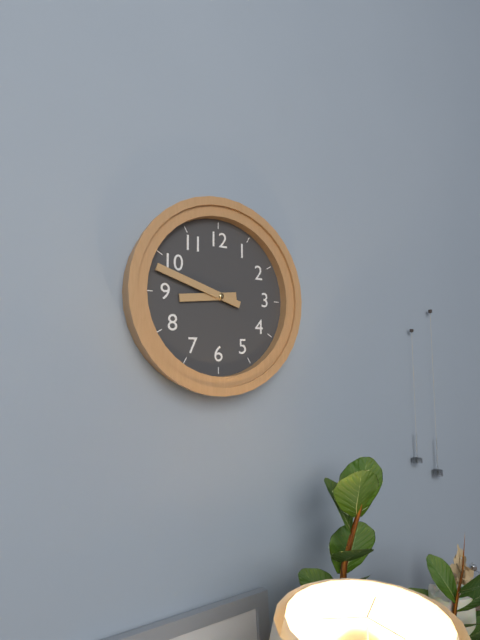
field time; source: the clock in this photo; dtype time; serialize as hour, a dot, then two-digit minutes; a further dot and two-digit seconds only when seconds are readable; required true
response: 8.48
